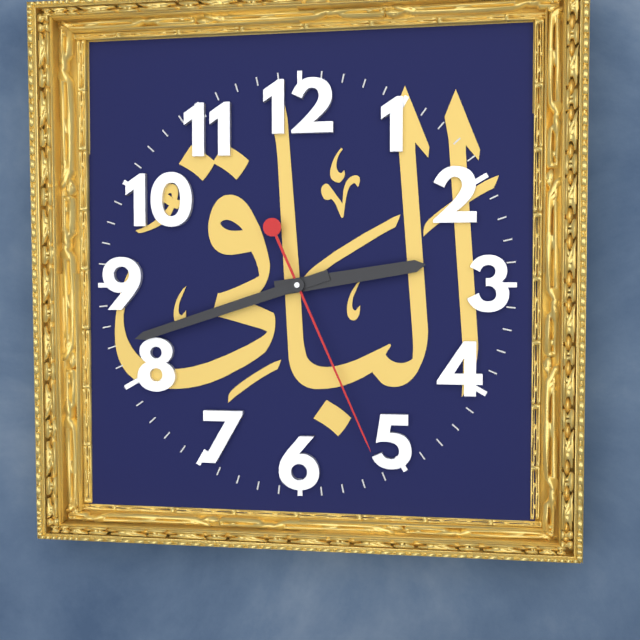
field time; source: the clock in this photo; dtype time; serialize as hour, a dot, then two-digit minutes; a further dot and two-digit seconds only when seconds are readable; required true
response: 2.42.26
